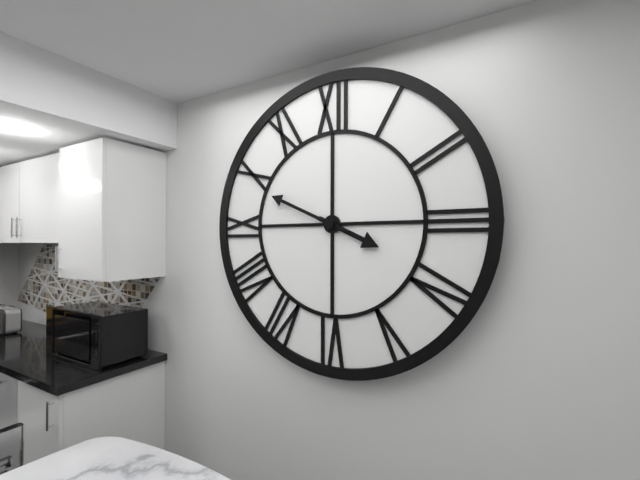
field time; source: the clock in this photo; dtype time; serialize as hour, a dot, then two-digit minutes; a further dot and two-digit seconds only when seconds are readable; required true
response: 3.49
